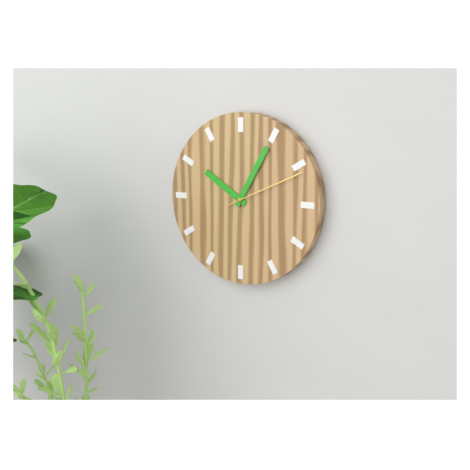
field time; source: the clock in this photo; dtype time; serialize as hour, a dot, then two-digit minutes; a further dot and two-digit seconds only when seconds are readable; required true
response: 10.05.11
